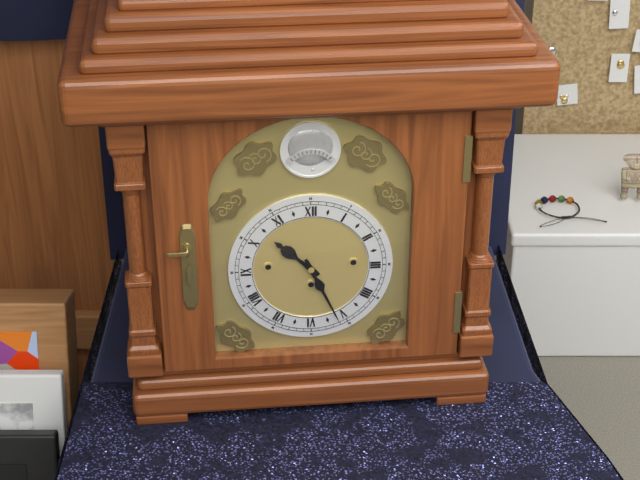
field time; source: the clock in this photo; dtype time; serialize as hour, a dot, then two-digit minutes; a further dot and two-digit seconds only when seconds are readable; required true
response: 10.26
